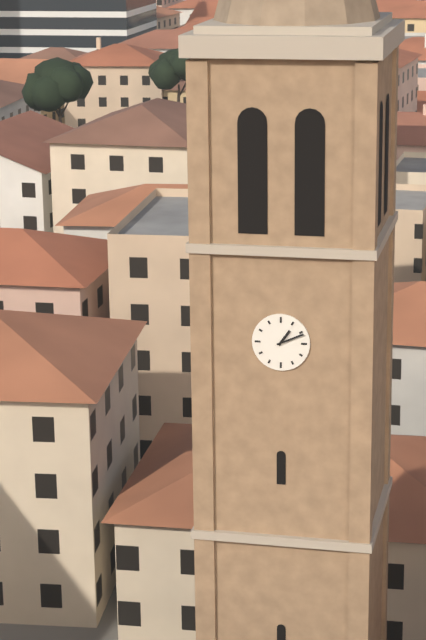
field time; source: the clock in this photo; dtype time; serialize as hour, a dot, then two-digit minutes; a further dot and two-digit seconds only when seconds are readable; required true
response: 1.11
